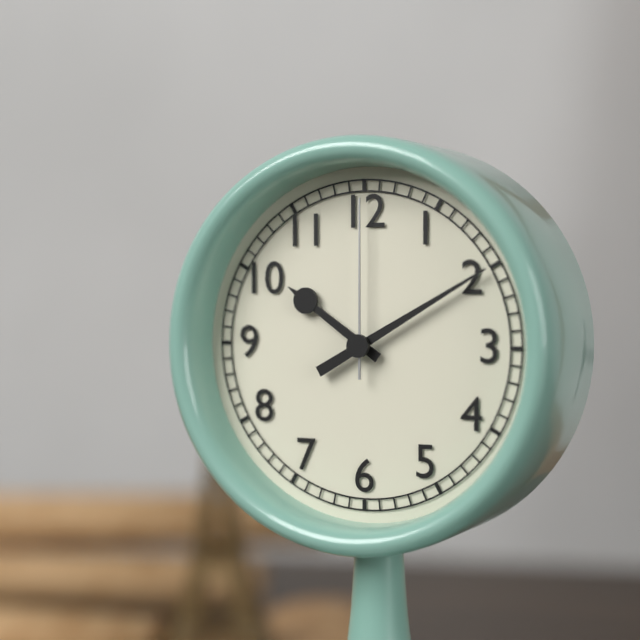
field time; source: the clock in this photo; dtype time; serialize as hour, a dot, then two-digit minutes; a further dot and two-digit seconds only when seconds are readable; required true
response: 10.10.00
